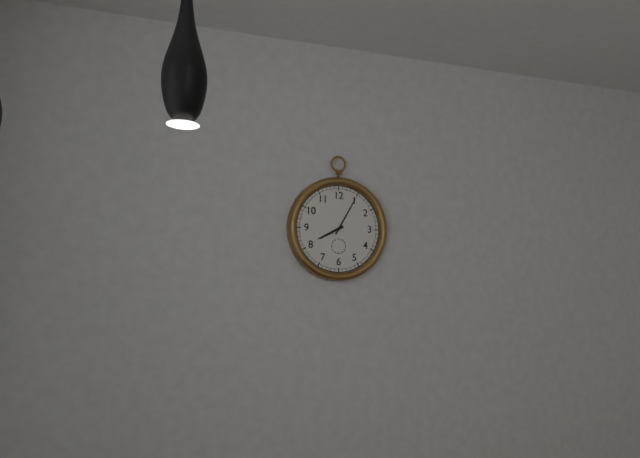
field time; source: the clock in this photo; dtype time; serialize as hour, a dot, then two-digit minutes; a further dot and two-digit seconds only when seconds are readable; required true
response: 8.05
